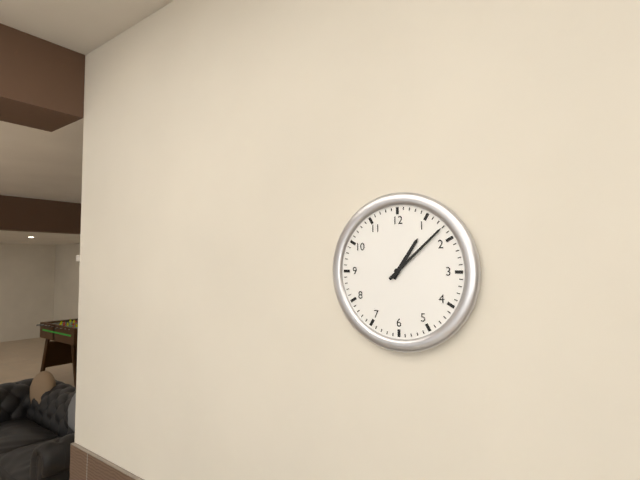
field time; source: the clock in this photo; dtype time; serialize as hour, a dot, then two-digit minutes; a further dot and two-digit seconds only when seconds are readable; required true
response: 1.08
